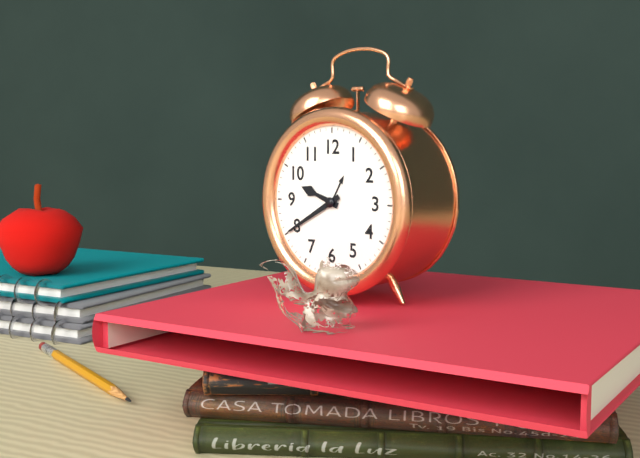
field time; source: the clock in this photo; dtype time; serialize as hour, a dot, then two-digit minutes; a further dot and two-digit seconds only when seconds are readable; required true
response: 9.40
